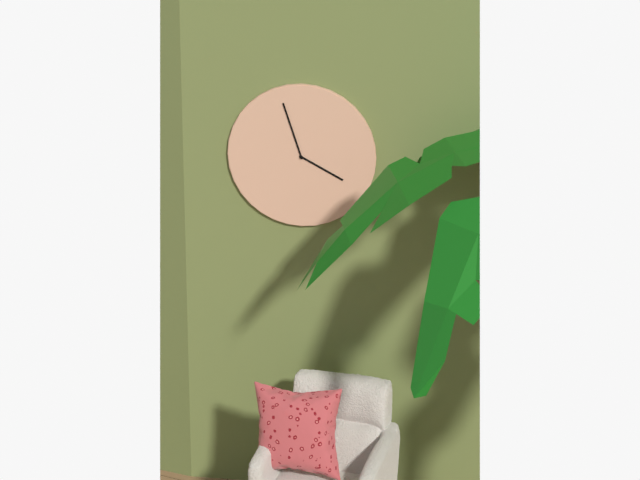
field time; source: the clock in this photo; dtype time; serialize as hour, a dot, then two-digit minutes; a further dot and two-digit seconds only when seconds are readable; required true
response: 3.57
